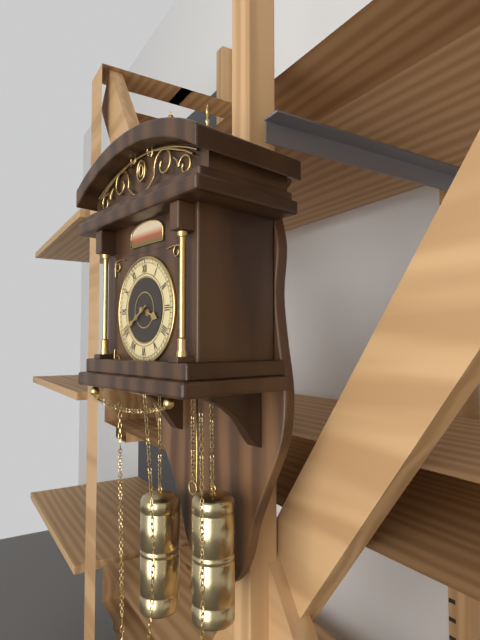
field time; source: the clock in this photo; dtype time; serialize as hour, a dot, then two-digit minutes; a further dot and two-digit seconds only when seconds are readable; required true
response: 3.40
